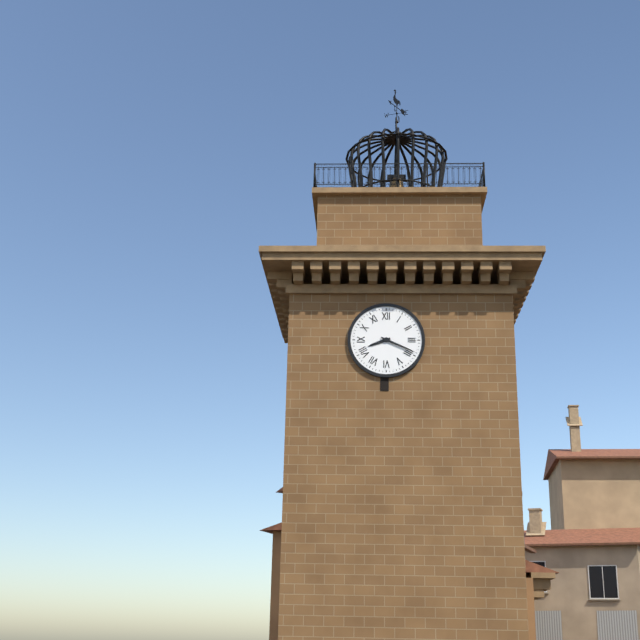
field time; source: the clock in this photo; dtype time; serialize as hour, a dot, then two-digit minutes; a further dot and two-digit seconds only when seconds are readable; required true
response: 8.19
